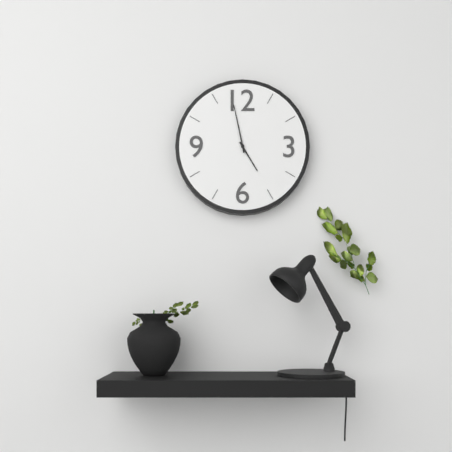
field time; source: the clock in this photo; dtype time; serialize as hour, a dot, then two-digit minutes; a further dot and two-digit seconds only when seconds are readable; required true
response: 4.58
